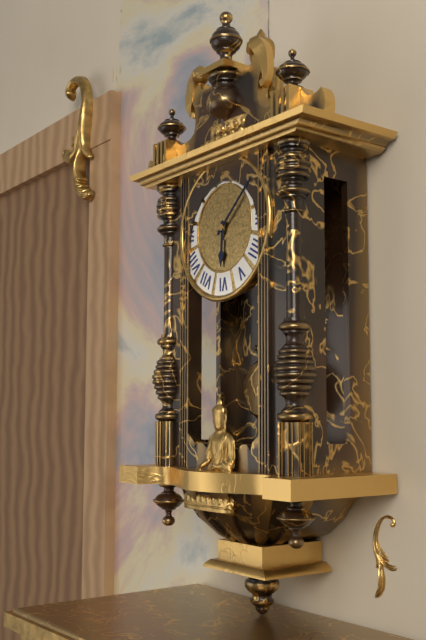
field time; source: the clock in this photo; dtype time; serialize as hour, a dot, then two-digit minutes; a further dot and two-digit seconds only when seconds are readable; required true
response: 6.08
